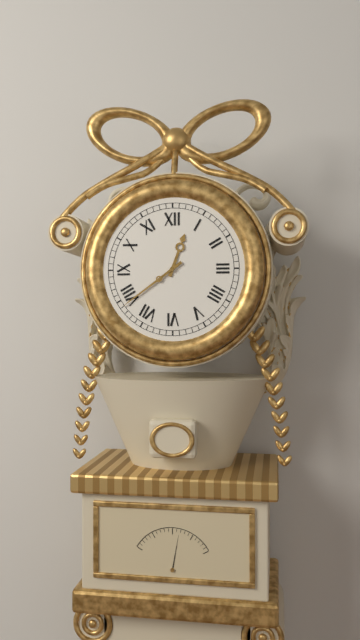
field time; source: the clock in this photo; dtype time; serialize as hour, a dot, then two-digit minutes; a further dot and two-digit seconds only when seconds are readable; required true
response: 12.39
